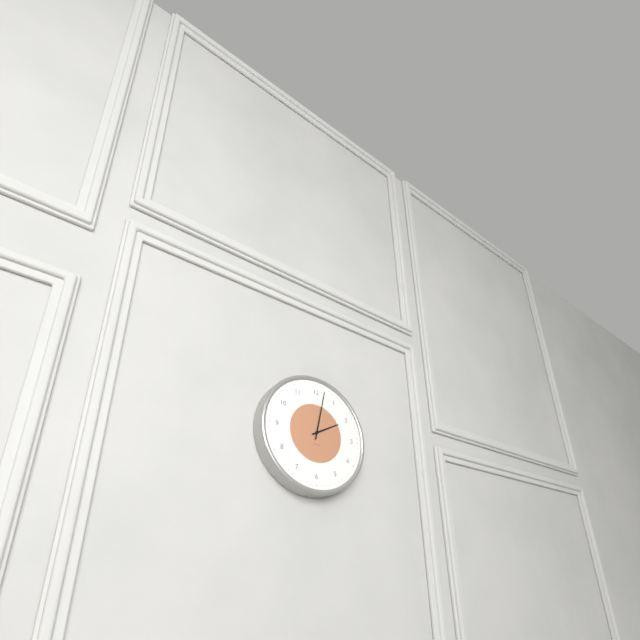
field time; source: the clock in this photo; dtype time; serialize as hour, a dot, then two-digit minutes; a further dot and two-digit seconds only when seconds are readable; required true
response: 2.02
